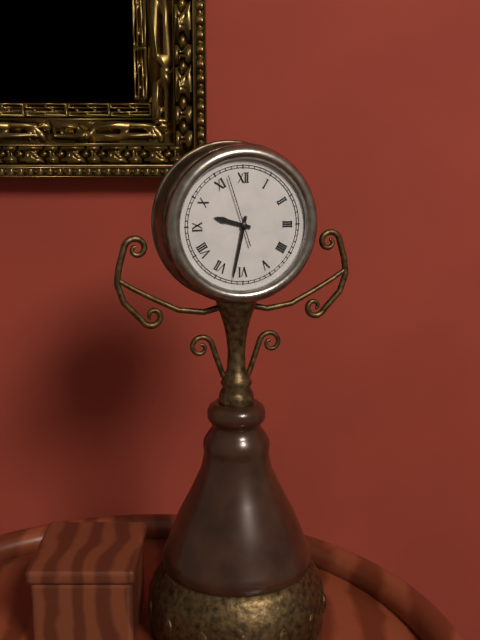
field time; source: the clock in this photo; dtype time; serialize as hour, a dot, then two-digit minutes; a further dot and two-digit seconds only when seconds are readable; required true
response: 9.32.57
